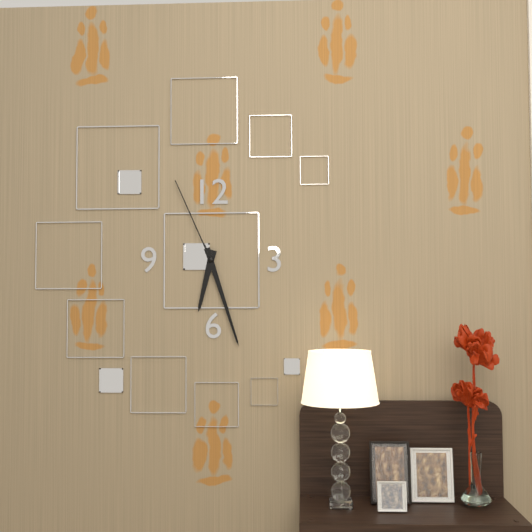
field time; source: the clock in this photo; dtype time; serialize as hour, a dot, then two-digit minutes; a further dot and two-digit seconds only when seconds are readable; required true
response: 6.27.56
